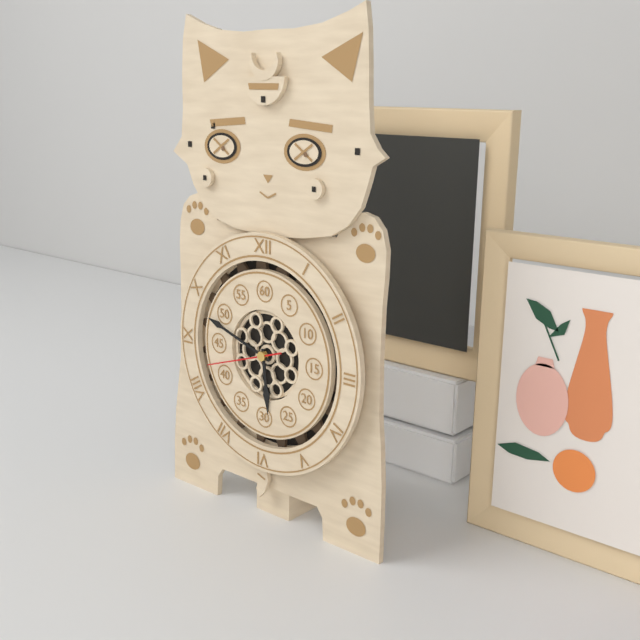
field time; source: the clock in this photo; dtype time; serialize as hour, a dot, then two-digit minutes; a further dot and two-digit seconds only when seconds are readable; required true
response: 5.48.42
